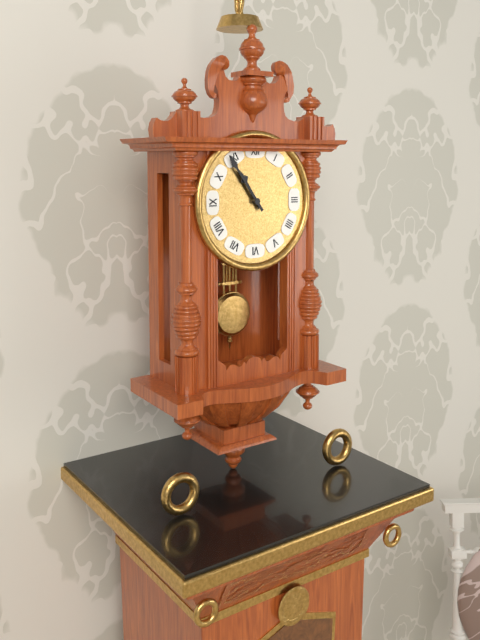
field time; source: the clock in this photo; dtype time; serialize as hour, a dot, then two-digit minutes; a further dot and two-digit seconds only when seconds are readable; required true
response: 10.54
